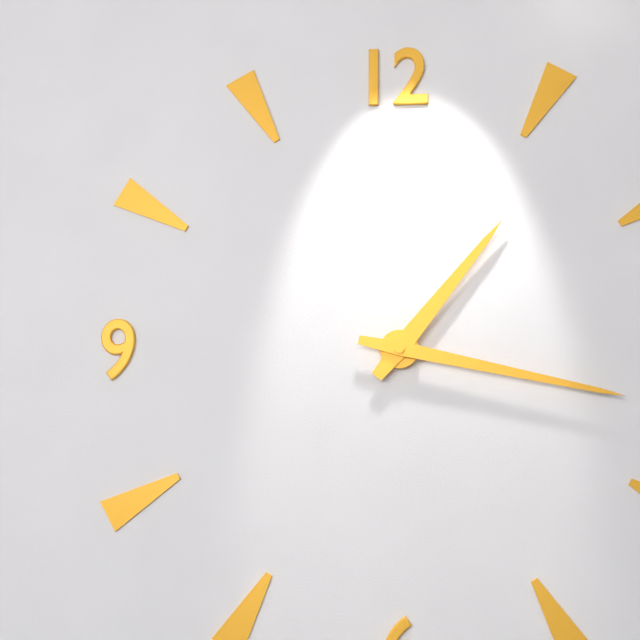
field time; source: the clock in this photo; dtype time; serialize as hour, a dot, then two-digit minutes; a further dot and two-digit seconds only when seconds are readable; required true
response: 1.17
